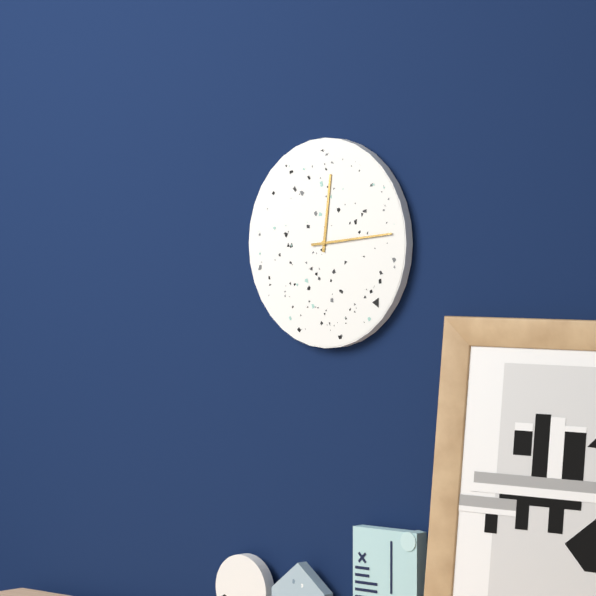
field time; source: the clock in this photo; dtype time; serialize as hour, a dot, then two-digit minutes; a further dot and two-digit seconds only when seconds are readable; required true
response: 12.14
